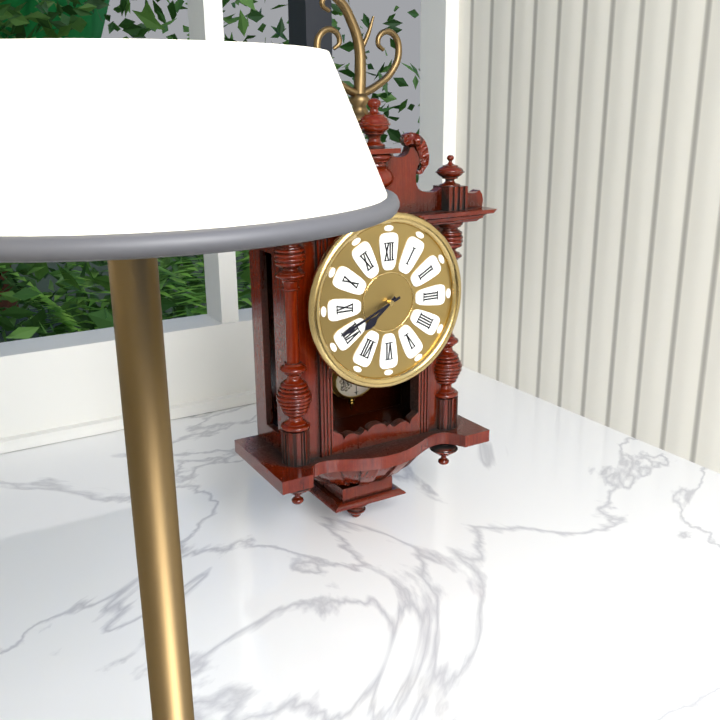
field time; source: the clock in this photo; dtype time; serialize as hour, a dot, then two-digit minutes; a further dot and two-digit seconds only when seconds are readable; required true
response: 7.41
